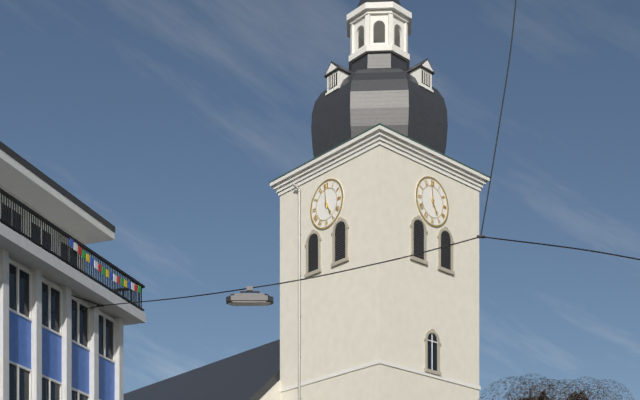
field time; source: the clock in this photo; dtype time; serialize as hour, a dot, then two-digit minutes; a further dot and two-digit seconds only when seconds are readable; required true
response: 4.59
